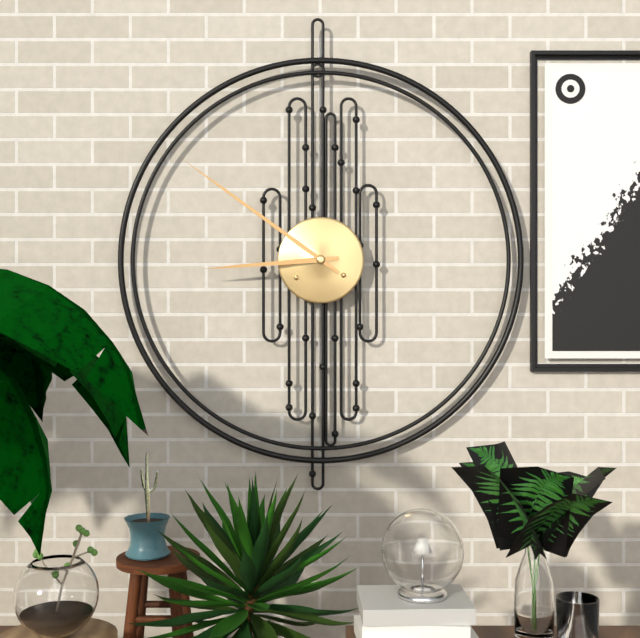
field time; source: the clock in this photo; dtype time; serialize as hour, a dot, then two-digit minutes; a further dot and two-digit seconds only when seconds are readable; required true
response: 8.51
